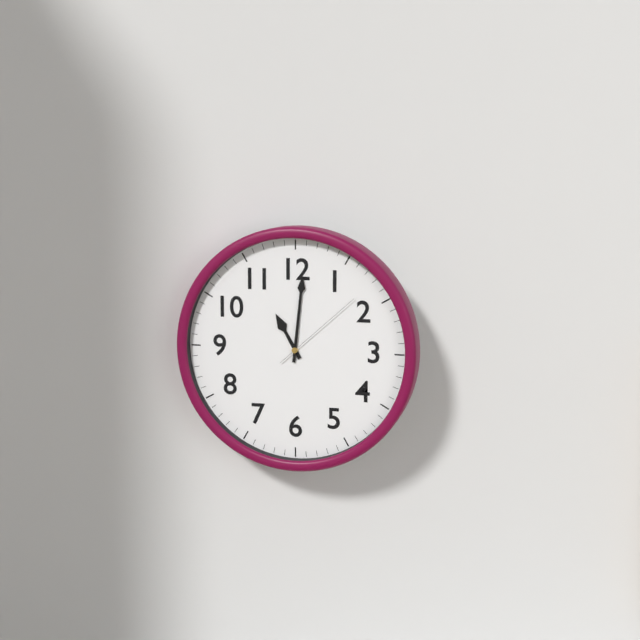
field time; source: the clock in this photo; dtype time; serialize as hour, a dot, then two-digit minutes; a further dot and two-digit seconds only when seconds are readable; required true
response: 11.01.08
